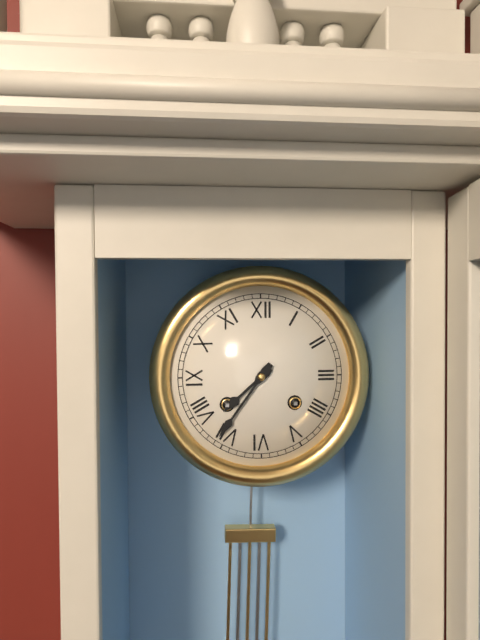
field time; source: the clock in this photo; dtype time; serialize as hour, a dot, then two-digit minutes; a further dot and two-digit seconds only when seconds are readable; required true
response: 7.36
